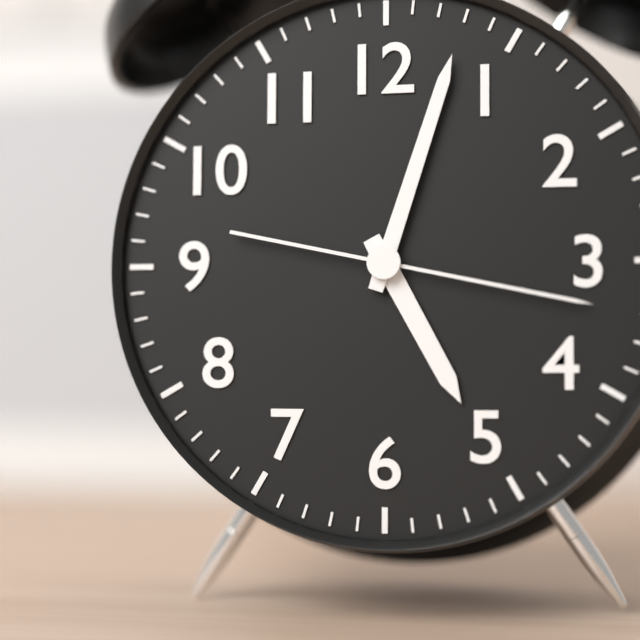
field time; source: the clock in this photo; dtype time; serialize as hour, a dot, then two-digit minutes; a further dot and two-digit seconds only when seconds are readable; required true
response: 5.03.17
